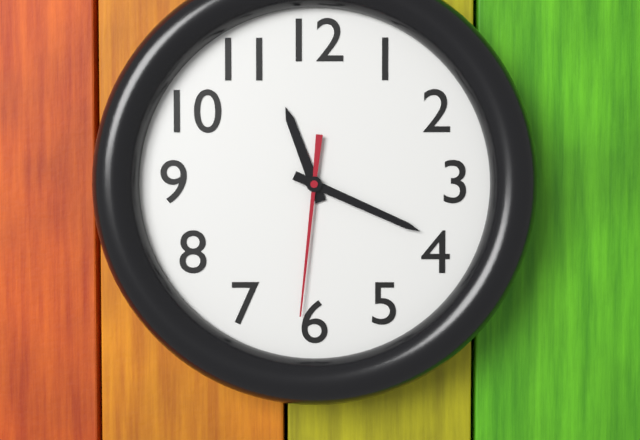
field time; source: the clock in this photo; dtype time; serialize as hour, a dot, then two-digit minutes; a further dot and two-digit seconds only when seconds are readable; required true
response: 11.19.31
